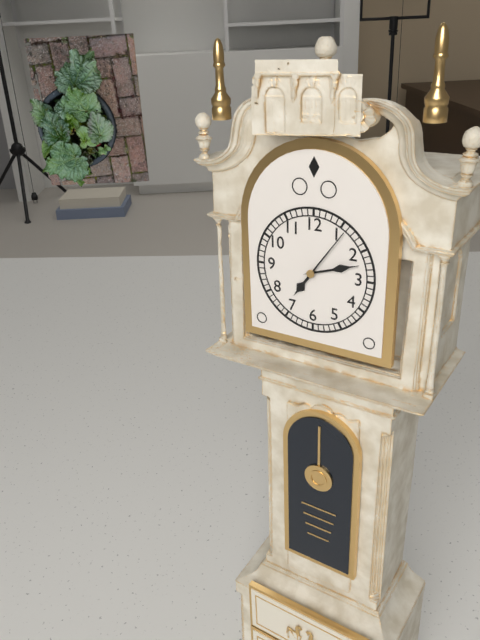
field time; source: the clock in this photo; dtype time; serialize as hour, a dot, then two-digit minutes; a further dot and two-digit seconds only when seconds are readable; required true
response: 7.12.06
